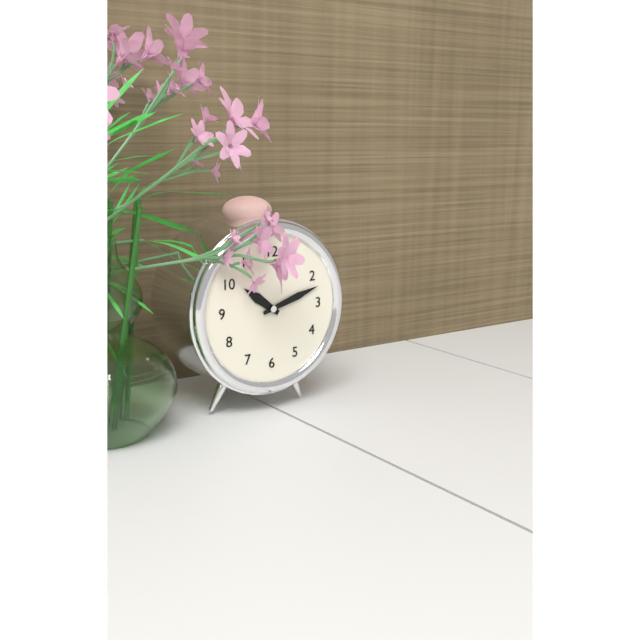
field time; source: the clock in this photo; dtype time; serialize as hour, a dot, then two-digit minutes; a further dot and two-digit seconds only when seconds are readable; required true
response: 10.12
